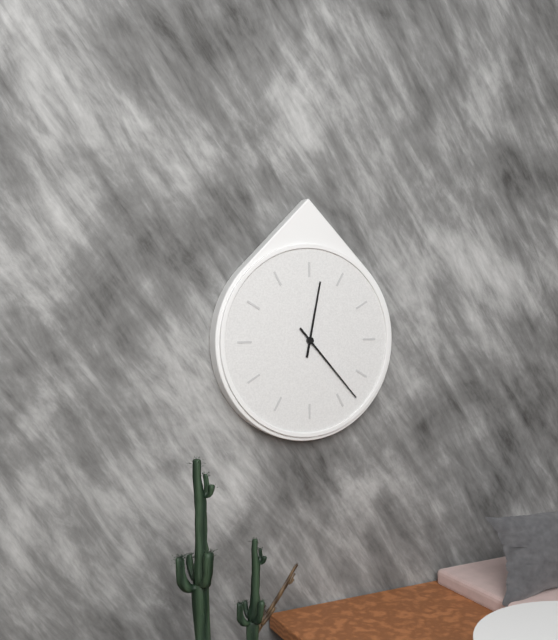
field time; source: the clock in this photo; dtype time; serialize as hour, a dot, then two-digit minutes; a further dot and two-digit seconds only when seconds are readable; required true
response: 12.23
